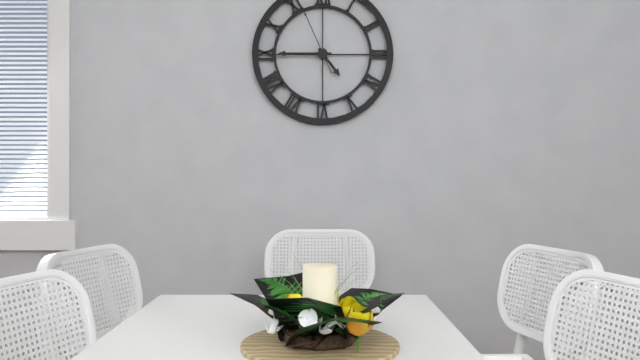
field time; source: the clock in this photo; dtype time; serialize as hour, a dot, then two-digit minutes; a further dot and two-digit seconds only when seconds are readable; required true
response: 4.45.56
